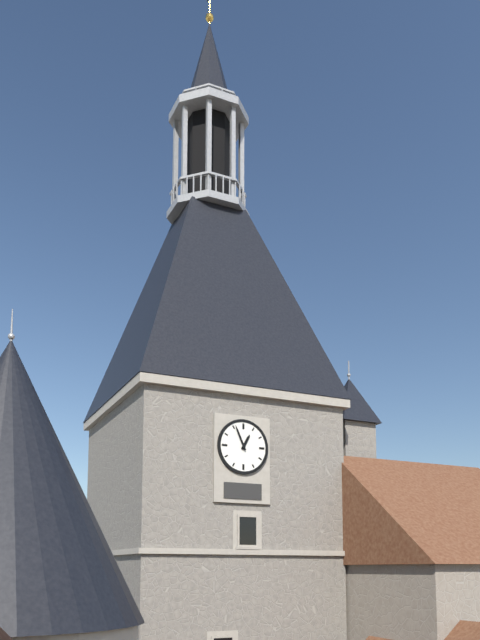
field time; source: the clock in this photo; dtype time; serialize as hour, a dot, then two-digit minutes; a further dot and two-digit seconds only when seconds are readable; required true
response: 12.56
